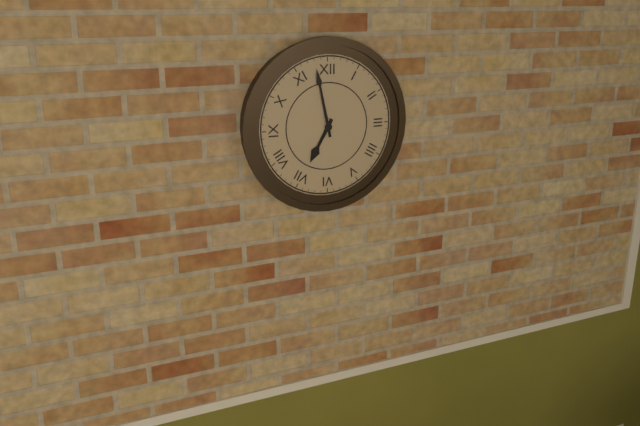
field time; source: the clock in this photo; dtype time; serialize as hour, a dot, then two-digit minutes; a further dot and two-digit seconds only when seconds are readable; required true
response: 6.58
